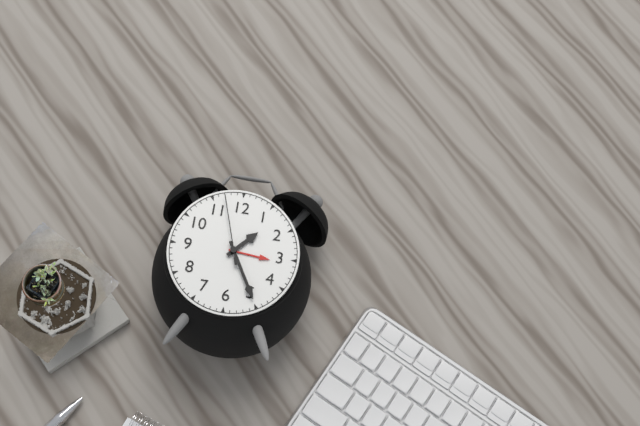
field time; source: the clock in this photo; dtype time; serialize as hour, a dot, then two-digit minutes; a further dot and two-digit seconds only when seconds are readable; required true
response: 1.25.57
